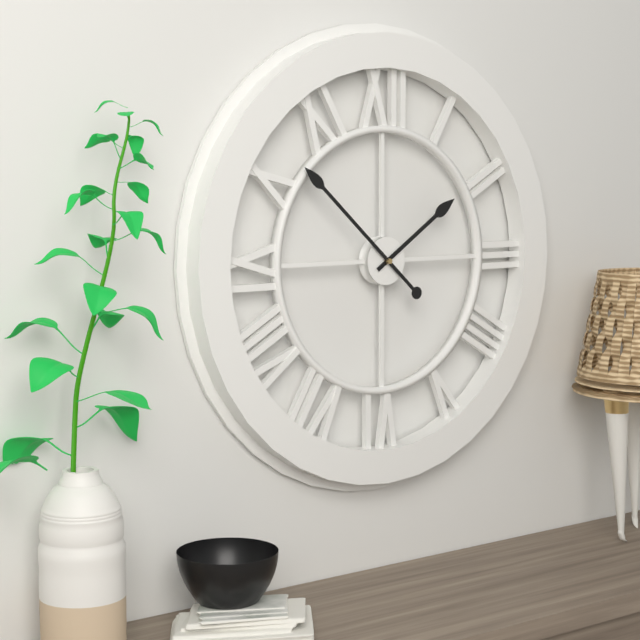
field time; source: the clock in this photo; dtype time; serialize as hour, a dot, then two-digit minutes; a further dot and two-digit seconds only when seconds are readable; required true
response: 1.52
